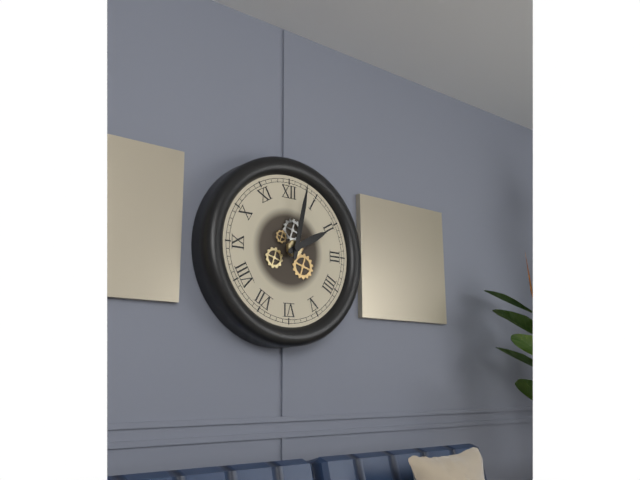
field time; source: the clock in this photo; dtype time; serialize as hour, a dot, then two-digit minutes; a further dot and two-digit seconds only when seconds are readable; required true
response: 2.02
